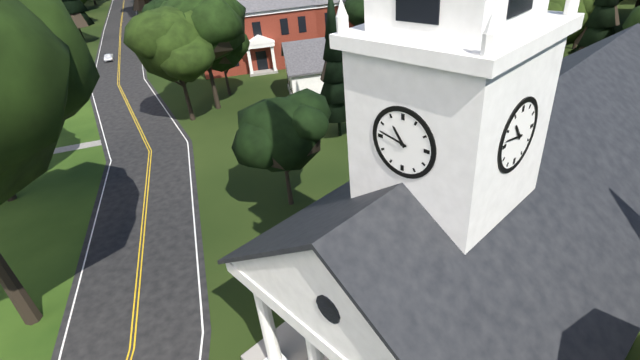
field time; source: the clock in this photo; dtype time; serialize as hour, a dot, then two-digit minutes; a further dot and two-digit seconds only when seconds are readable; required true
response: 10.47
